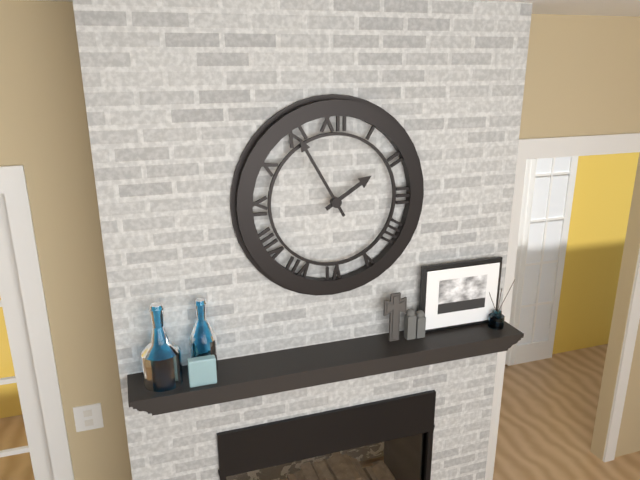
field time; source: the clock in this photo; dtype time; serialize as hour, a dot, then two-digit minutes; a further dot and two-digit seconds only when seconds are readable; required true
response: 1.55
